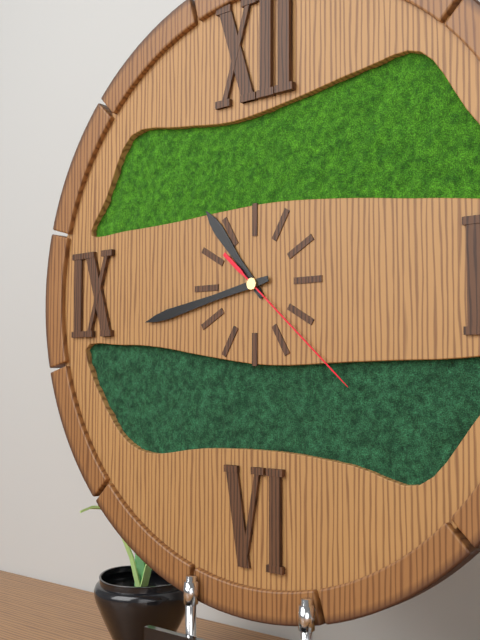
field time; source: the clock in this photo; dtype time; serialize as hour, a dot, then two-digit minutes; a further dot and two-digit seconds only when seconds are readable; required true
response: 10.43.22
